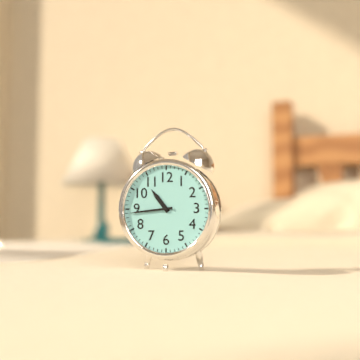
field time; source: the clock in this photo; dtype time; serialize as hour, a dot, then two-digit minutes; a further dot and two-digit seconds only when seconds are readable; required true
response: 10.44
